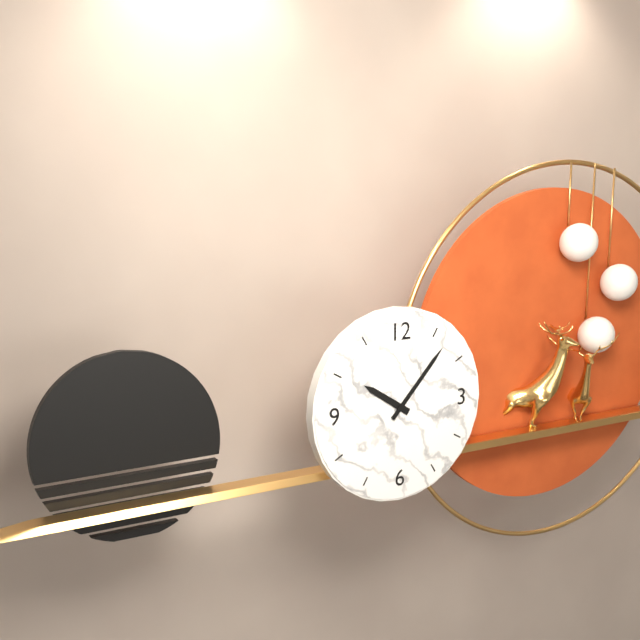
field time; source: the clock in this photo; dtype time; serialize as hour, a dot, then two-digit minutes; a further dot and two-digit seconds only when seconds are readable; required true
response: 10.07
